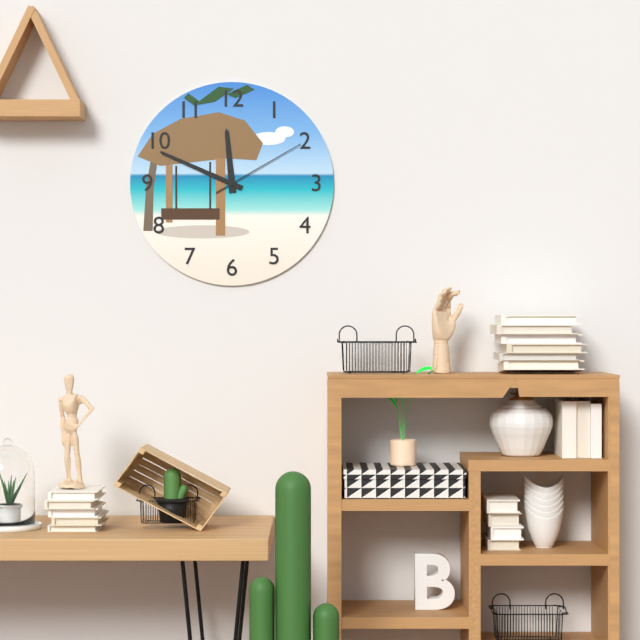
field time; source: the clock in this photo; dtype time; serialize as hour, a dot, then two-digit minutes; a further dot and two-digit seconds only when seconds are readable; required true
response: 11.49.10
